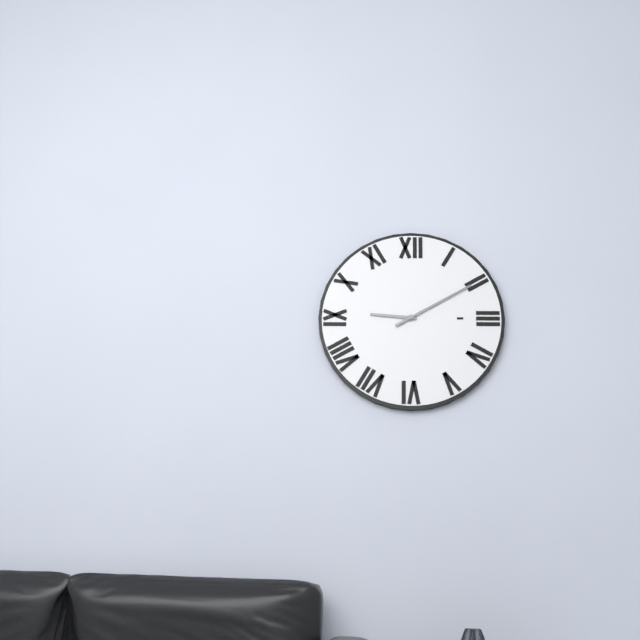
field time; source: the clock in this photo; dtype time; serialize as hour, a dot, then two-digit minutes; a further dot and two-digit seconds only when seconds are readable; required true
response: 9.10
